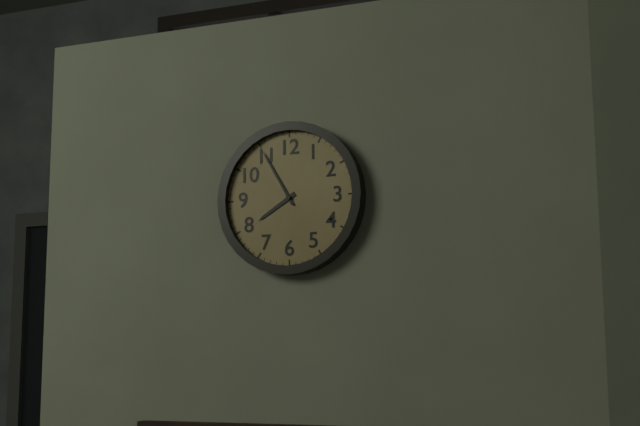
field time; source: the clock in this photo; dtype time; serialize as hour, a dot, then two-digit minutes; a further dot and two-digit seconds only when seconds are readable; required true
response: 7.55
